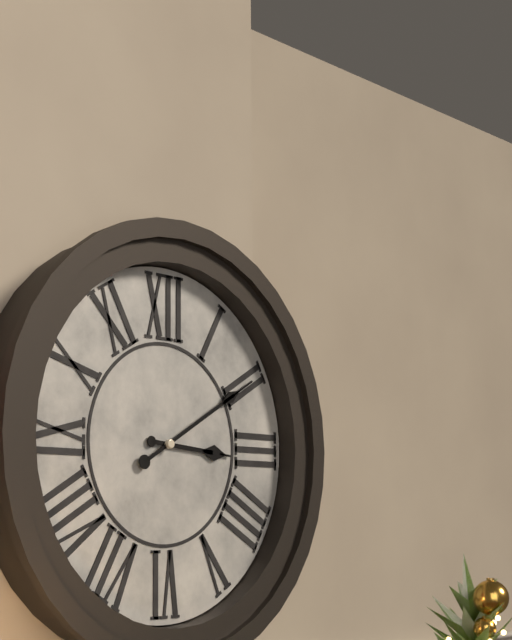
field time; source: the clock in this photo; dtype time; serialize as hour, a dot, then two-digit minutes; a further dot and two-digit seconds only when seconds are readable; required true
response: 3.10
